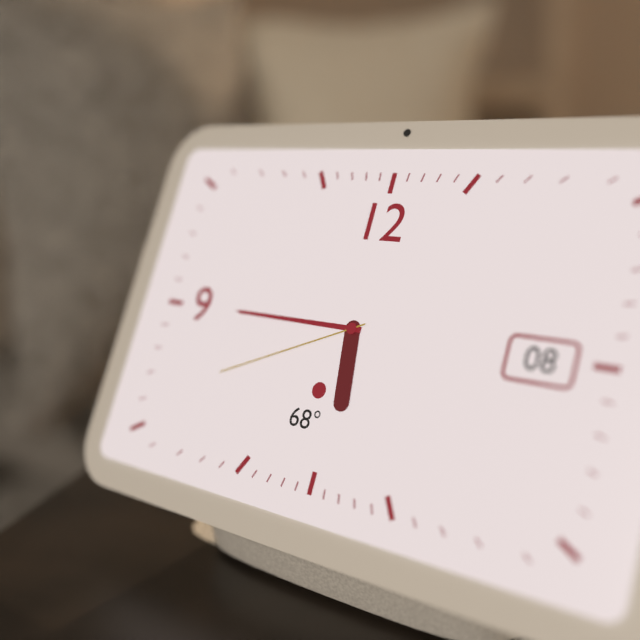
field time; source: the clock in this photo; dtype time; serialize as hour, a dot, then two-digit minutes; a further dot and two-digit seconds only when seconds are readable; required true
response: 5.45.41
